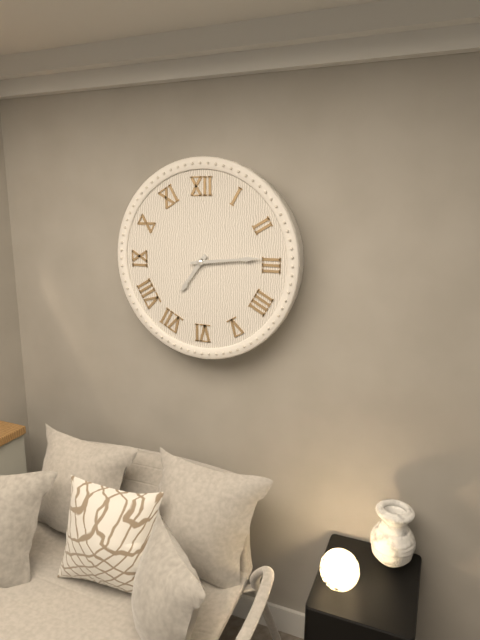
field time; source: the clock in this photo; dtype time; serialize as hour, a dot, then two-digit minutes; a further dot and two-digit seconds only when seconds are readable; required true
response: 7.14
